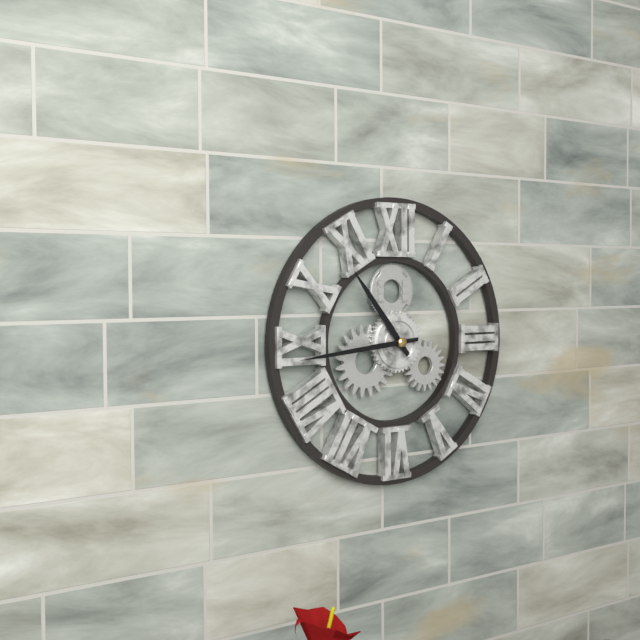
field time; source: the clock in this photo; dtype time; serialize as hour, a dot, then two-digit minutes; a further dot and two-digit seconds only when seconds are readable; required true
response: 10.44
